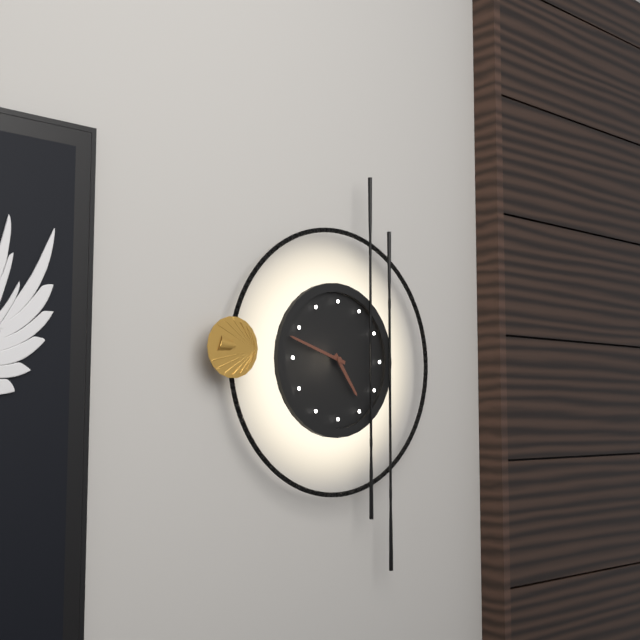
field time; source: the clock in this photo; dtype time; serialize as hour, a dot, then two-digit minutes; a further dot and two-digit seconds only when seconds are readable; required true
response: 4.48
